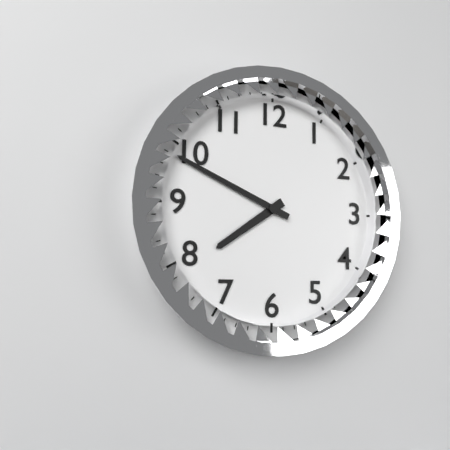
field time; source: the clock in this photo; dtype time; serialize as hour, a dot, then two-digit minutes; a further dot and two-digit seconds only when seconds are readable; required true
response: 7.49
